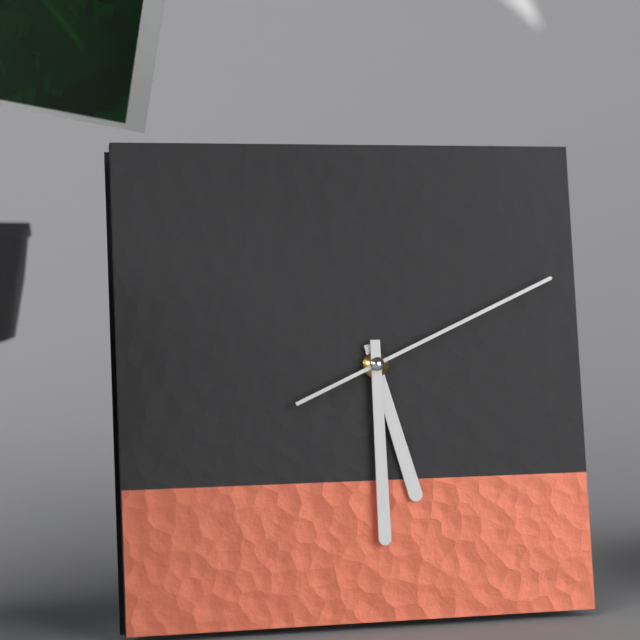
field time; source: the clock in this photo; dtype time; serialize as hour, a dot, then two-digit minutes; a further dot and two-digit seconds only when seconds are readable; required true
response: 5.30.11
